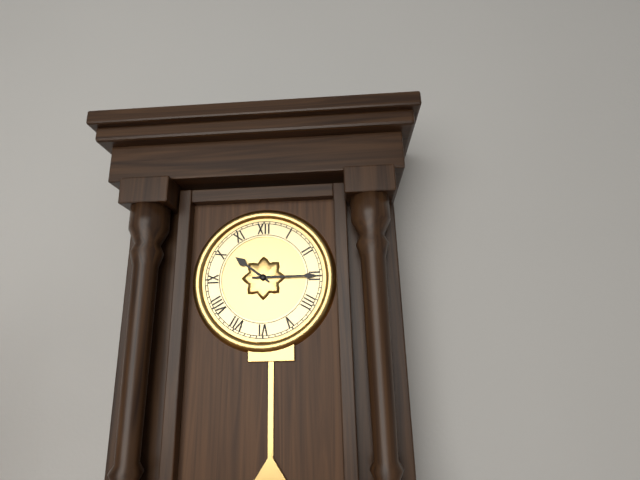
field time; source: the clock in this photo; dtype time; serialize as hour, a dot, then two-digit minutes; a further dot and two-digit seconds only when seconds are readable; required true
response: 10.15
